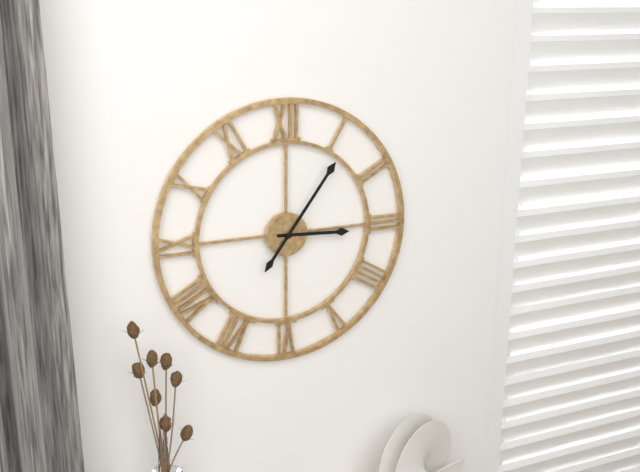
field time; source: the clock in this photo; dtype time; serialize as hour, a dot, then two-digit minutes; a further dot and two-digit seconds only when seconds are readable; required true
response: 3.06
